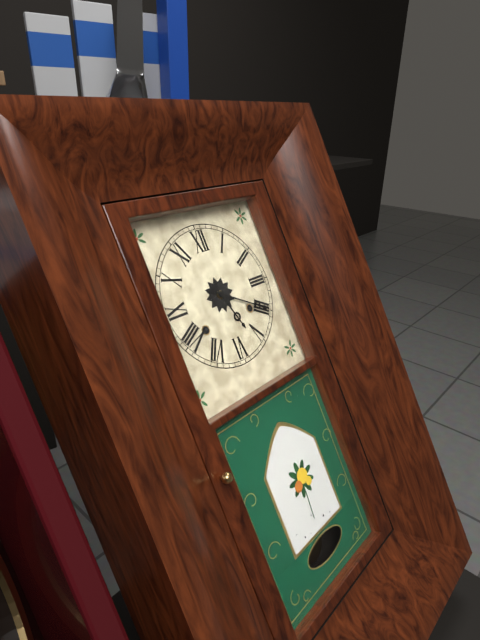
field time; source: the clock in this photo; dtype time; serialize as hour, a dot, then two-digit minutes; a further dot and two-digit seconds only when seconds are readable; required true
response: 5.20
